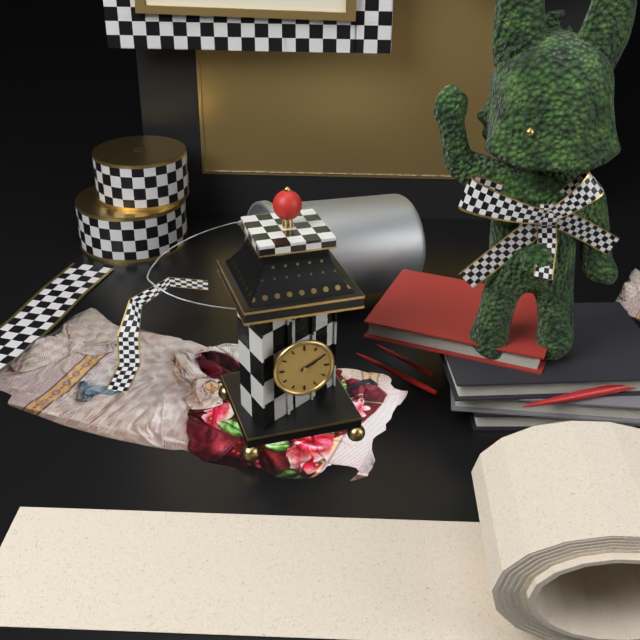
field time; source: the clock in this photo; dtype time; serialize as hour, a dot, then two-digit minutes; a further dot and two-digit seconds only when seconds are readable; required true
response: 2.10
